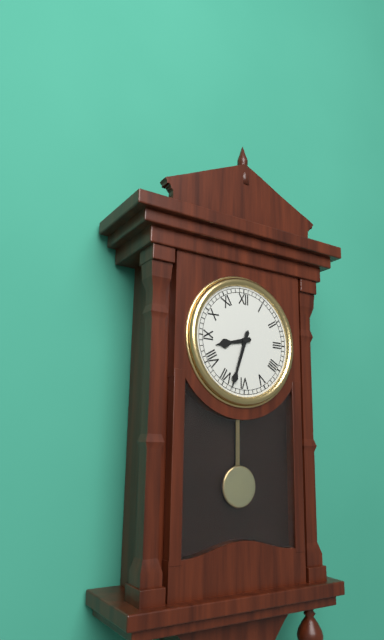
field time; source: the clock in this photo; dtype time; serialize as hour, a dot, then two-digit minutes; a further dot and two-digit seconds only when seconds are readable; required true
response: 8.33
